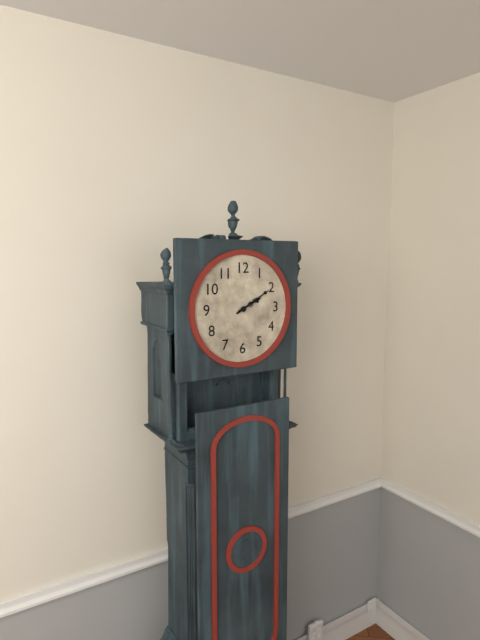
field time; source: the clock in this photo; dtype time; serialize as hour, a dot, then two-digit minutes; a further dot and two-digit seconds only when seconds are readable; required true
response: 2.10
